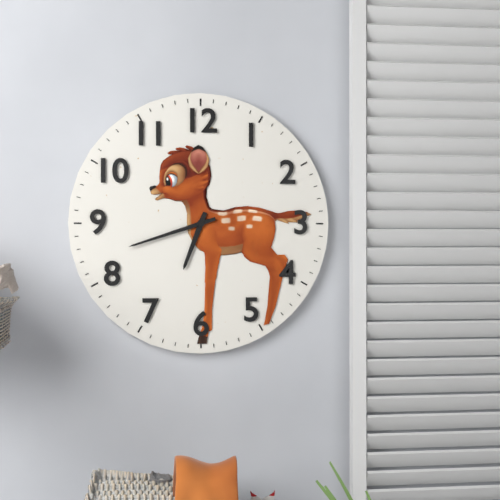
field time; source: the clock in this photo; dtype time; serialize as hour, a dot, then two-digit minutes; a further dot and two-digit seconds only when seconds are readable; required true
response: 6.42
